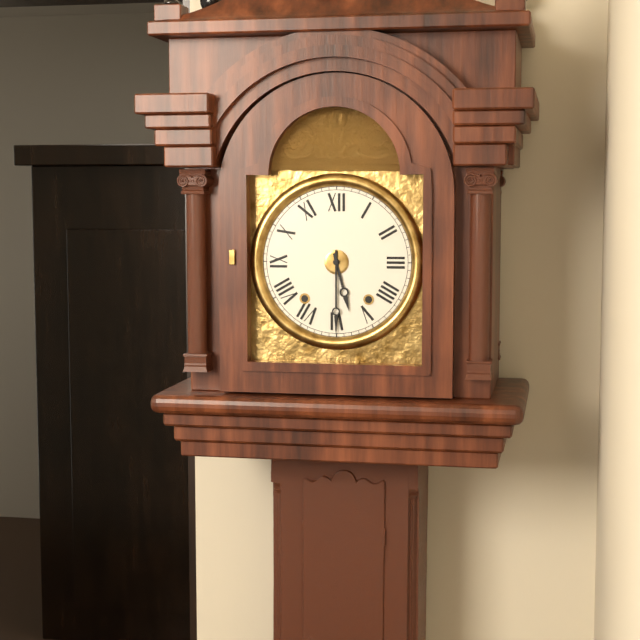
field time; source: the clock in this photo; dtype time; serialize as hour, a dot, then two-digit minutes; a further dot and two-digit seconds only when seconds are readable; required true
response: 5.30
